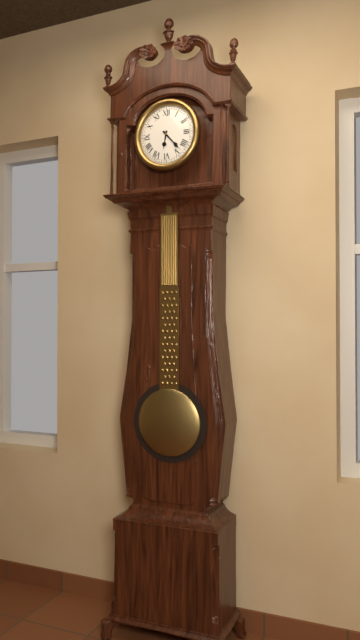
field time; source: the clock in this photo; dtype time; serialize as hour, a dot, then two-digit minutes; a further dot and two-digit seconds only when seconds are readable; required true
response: 6.23
